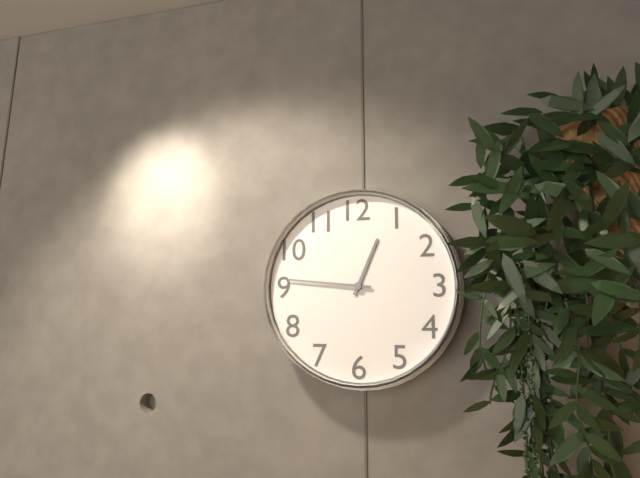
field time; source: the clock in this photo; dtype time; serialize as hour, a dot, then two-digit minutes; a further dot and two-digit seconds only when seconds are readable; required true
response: 12.46
